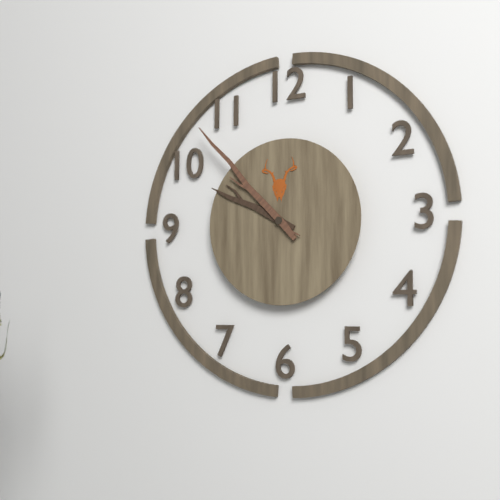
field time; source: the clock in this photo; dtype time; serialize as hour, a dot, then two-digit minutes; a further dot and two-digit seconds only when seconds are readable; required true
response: 9.53
